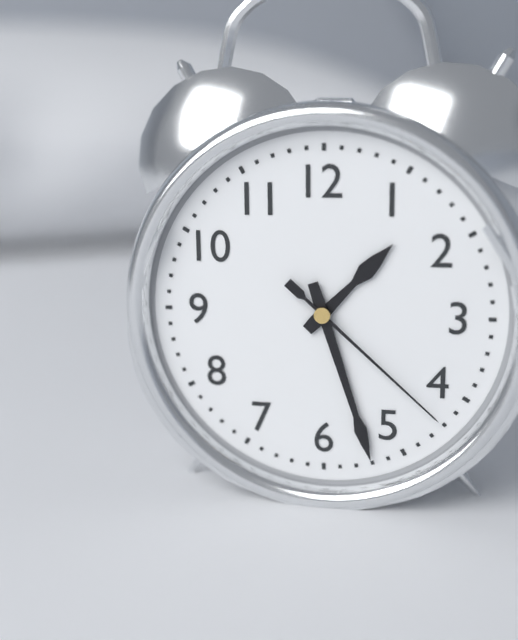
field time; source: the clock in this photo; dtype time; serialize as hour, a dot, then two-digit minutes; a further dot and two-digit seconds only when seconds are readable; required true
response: 1.27.22
